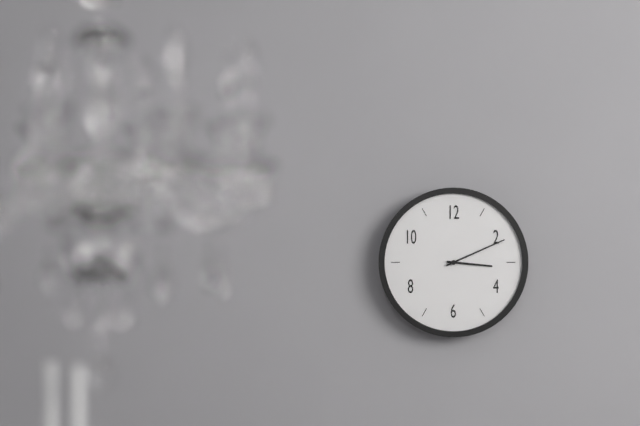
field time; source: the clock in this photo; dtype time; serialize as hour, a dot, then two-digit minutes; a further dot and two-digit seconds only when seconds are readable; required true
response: 3.11
